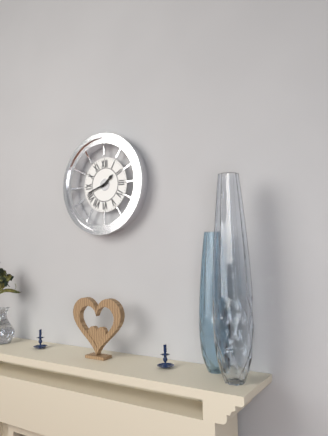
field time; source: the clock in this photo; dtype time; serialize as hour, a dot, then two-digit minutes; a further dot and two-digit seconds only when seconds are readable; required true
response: 1.42
